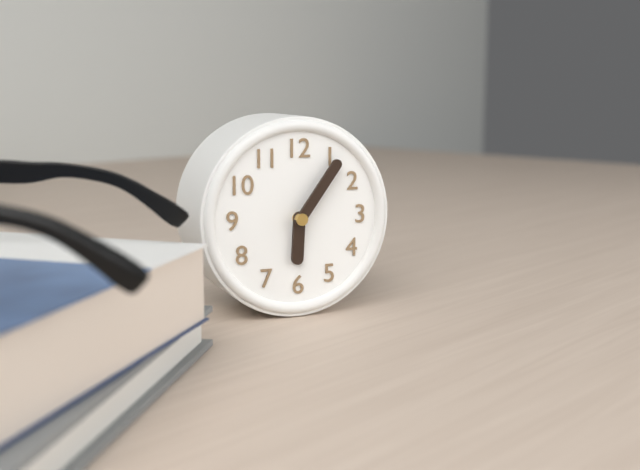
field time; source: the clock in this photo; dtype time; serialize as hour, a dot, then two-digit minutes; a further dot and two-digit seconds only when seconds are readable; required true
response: 6.06
